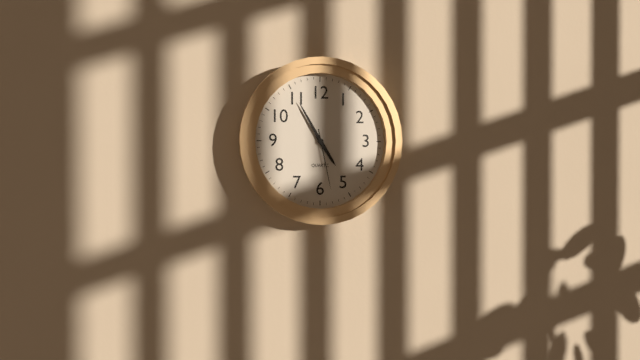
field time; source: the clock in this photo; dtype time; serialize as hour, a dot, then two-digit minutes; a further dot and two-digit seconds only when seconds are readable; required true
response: 4.55.28
